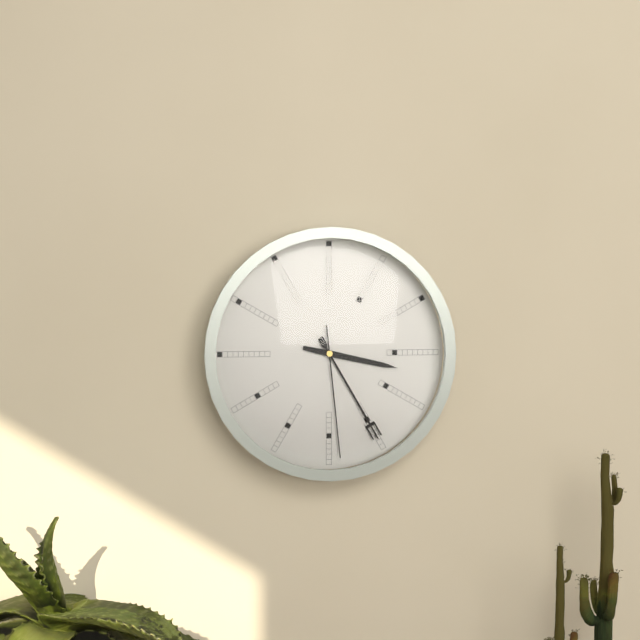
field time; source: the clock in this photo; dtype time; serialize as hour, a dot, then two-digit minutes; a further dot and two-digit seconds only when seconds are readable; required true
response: 3.25.29
